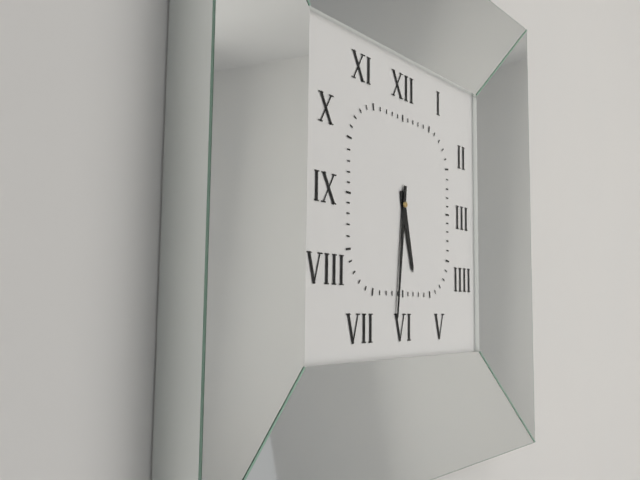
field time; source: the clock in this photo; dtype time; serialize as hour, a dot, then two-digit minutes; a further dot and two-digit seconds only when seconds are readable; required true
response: 5.31
